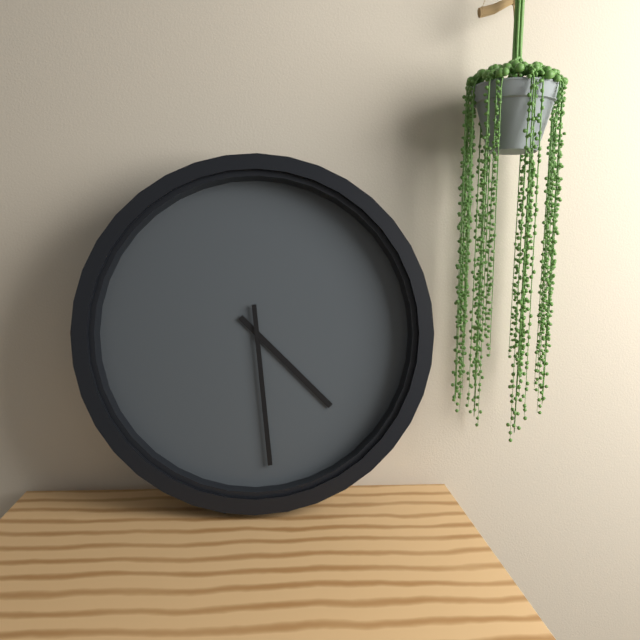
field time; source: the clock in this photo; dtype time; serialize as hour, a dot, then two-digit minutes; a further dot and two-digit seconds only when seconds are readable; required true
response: 4.29
